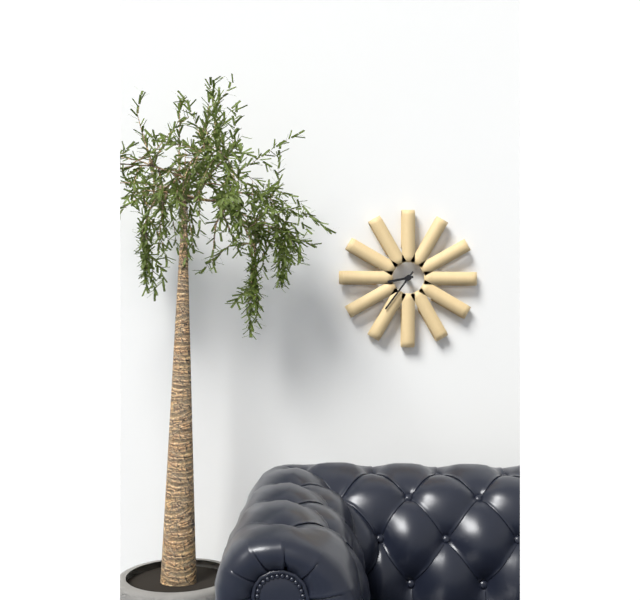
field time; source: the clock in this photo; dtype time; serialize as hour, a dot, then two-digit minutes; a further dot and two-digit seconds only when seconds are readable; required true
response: 8.36
